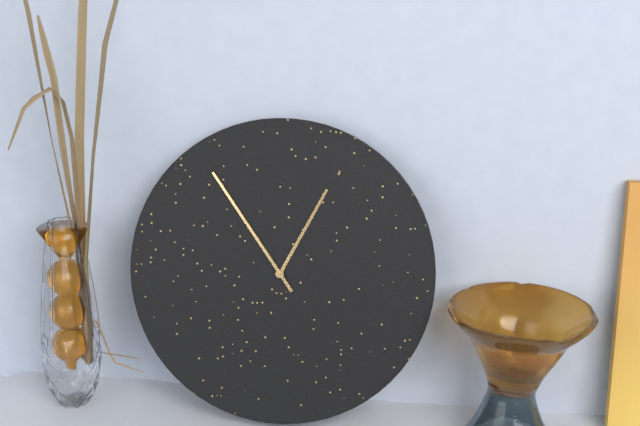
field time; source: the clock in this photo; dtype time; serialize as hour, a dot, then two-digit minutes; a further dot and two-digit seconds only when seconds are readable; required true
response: 12.54
